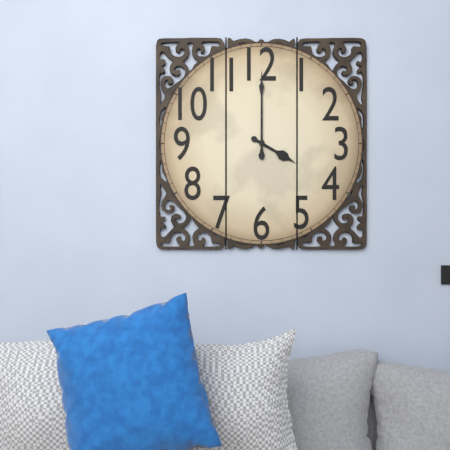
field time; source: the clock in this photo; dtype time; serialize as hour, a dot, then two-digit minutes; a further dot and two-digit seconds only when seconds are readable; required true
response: 4.00
